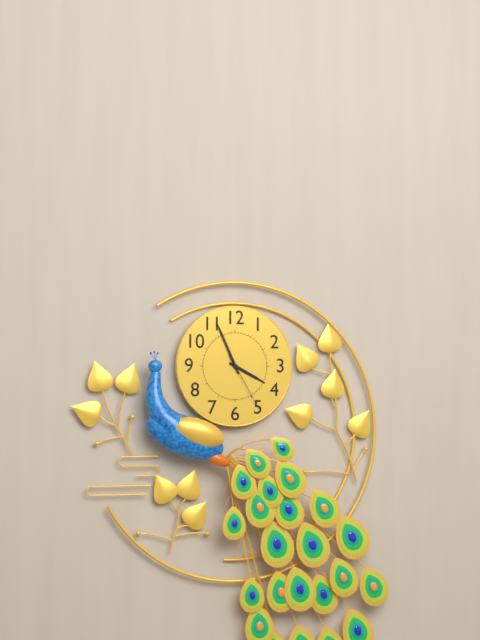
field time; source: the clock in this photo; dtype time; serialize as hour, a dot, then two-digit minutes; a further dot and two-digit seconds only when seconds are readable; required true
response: 3.56.25
